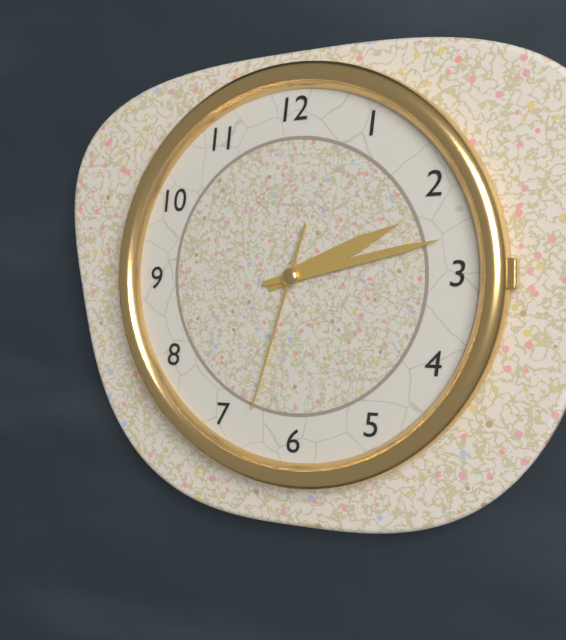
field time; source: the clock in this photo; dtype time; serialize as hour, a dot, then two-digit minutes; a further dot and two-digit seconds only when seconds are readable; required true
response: 2.13.33
